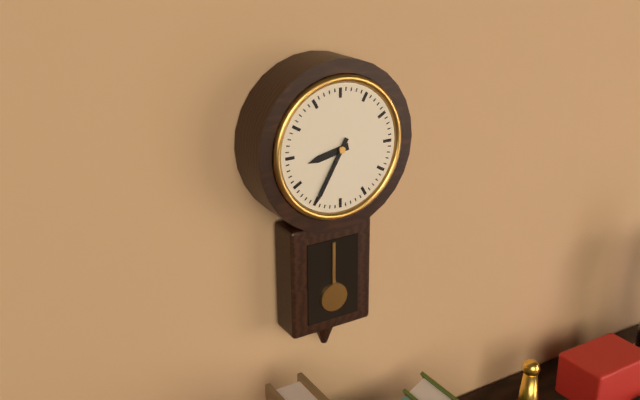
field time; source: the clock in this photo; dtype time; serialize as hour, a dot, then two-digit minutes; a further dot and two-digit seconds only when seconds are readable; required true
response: 8.35
